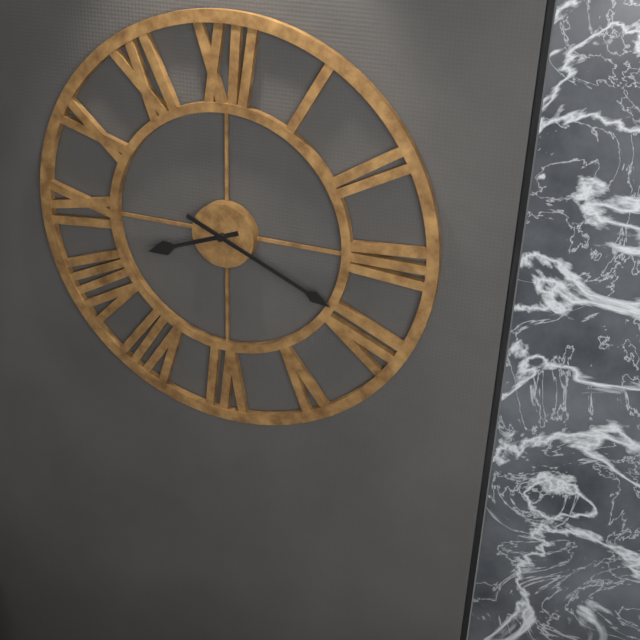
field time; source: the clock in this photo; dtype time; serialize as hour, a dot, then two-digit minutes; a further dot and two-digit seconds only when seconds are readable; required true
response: 8.19
